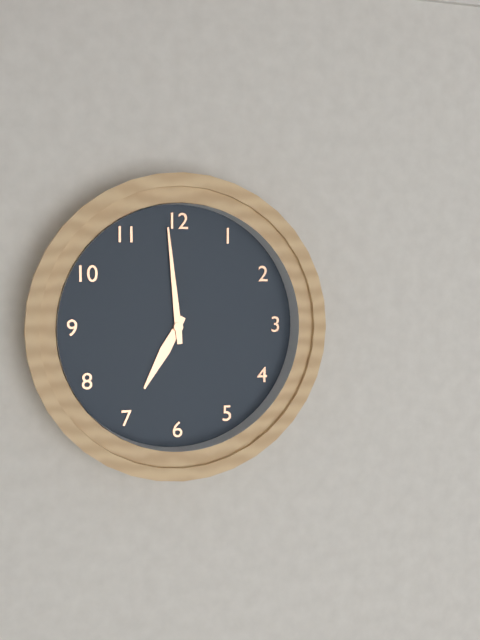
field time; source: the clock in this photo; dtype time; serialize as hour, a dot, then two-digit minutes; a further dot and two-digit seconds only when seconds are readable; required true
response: 6.59
